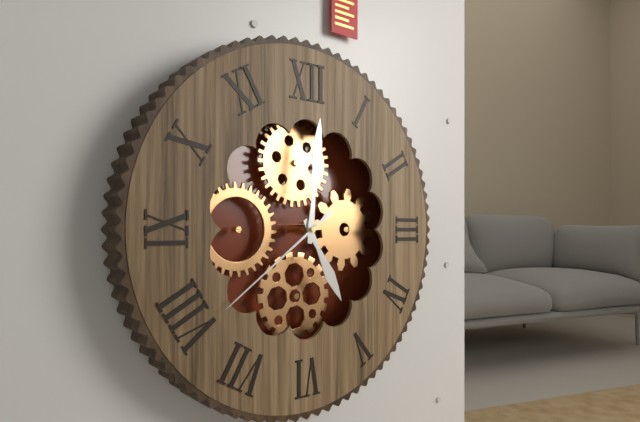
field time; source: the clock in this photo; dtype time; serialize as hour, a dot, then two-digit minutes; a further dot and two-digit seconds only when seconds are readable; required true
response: 5.01.39
